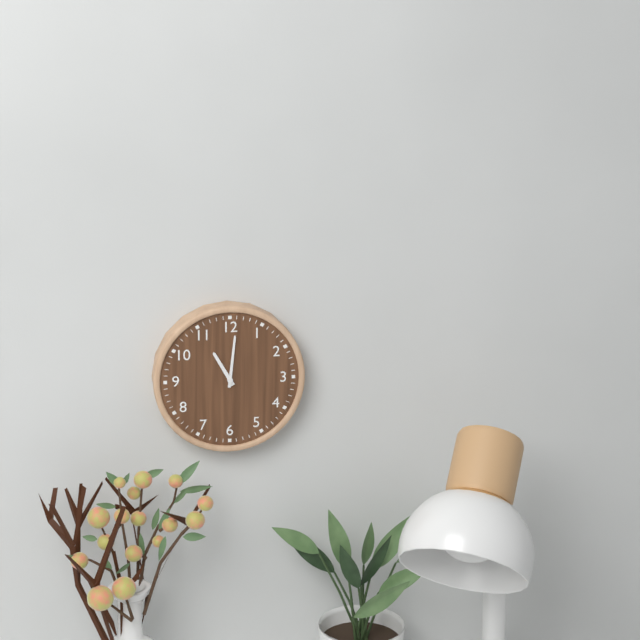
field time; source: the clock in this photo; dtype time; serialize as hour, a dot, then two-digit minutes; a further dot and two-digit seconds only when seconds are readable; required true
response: 11.01
